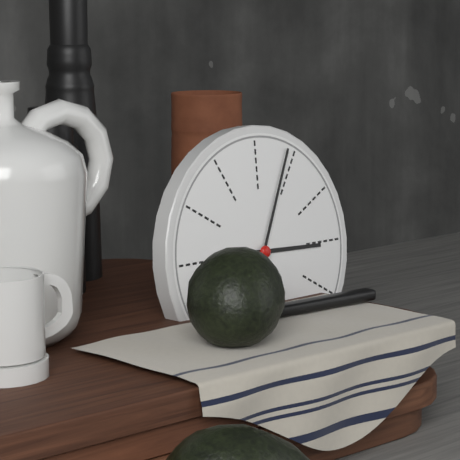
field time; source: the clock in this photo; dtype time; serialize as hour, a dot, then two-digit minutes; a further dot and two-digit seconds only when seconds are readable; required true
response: 3.04
